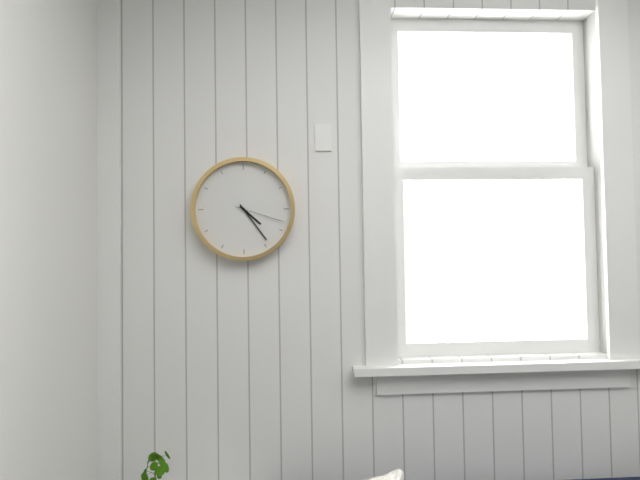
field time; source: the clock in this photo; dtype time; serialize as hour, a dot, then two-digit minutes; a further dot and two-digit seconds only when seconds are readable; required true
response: 4.24.18
